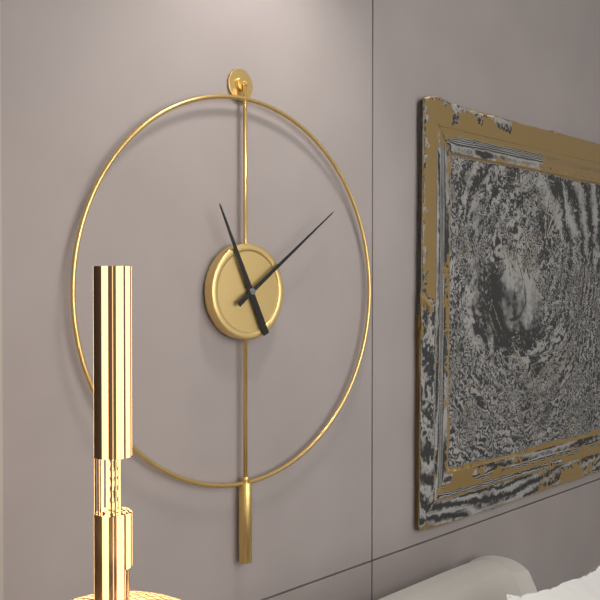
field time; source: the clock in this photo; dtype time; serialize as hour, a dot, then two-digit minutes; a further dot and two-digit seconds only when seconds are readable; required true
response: 11.09
